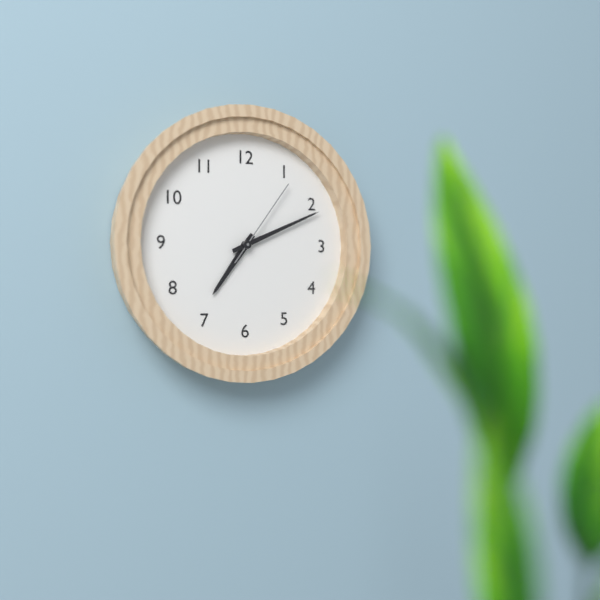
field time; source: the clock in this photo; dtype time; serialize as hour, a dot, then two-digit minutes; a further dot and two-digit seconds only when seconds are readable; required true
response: 7.11.06
